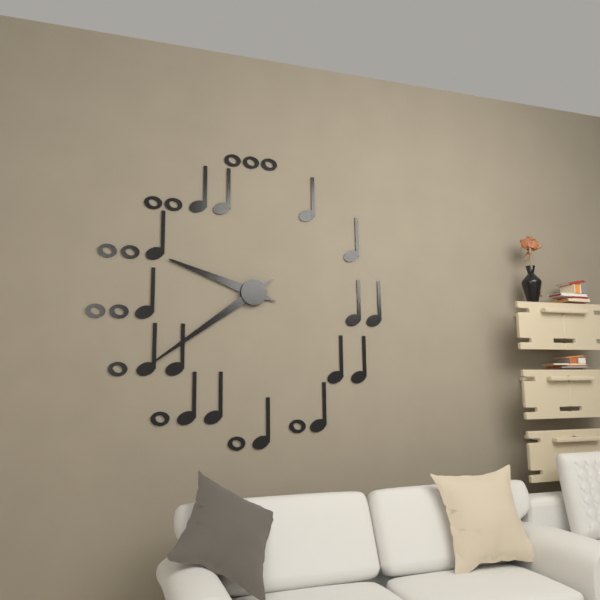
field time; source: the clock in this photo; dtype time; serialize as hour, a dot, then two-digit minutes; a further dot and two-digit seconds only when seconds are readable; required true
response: 9.39
